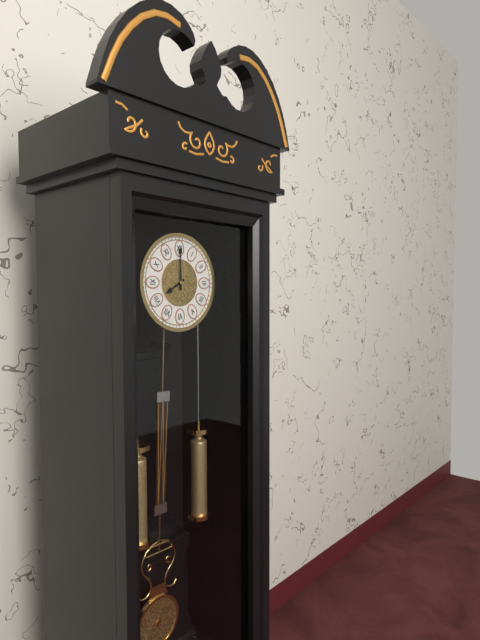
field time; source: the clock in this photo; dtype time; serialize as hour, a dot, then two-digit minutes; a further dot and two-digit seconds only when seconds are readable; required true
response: 8.00
